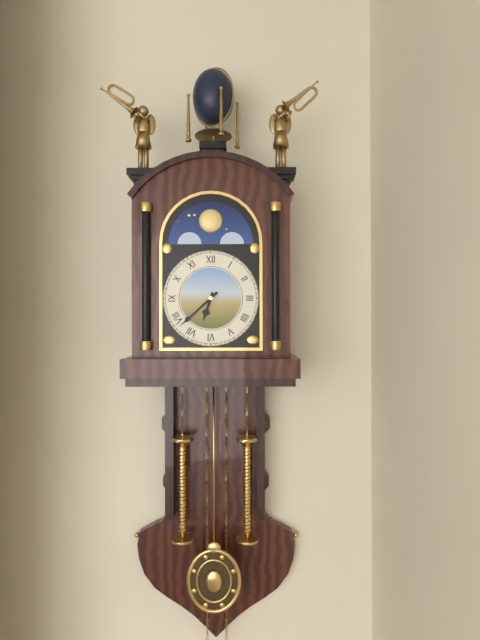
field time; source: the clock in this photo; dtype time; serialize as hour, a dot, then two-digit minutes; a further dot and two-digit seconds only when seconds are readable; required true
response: 6.38
